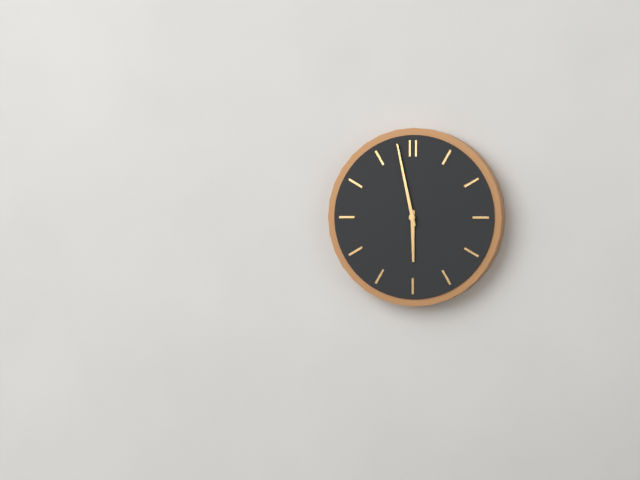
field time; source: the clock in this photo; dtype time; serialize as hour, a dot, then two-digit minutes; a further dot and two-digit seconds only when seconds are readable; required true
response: 5.58
